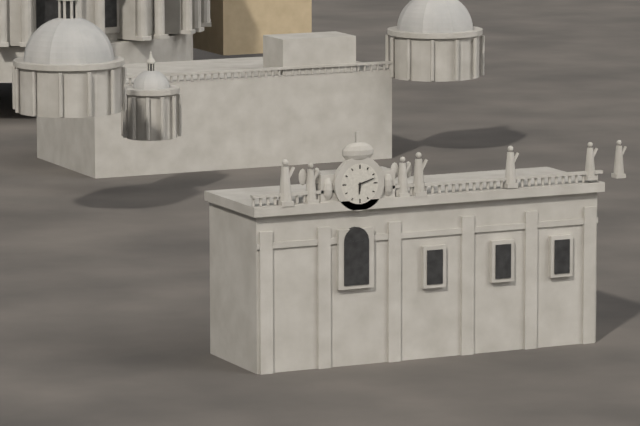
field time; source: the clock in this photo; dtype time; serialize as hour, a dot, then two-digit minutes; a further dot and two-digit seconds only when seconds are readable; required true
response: 6.12
